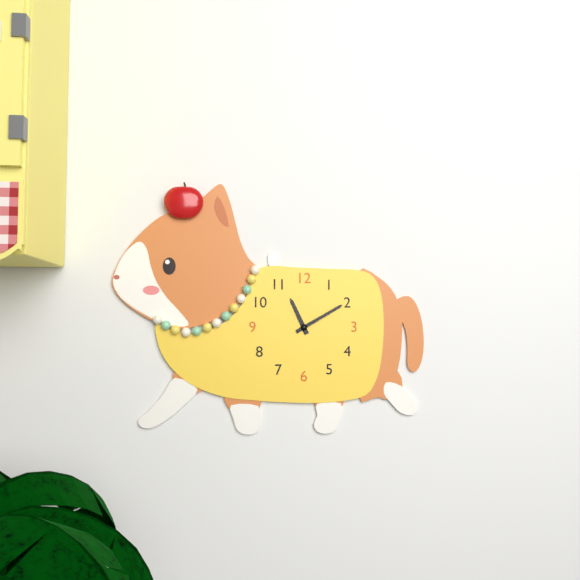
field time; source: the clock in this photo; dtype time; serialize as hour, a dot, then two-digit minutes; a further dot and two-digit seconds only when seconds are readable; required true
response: 11.10
